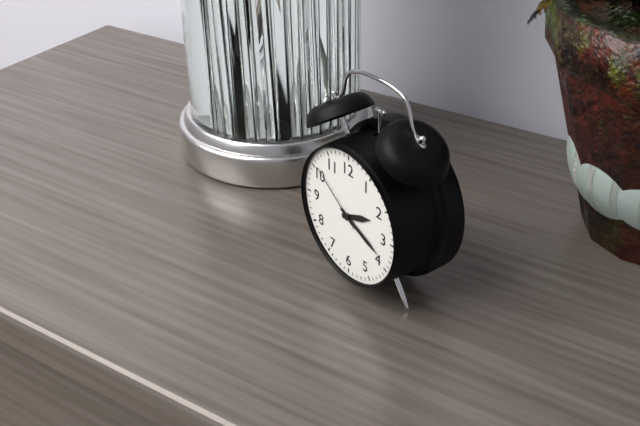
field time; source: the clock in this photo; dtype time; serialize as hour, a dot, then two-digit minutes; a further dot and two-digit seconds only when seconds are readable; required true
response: 2.19.51
